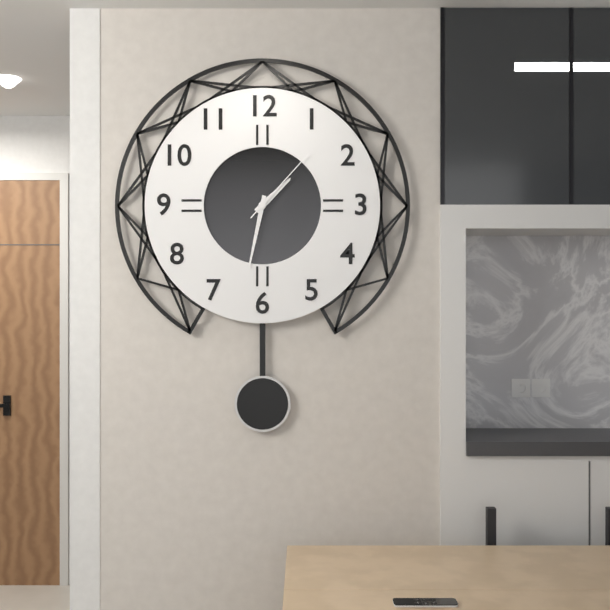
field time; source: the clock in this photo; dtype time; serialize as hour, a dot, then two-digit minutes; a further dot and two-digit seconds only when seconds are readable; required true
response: 1.32.07
